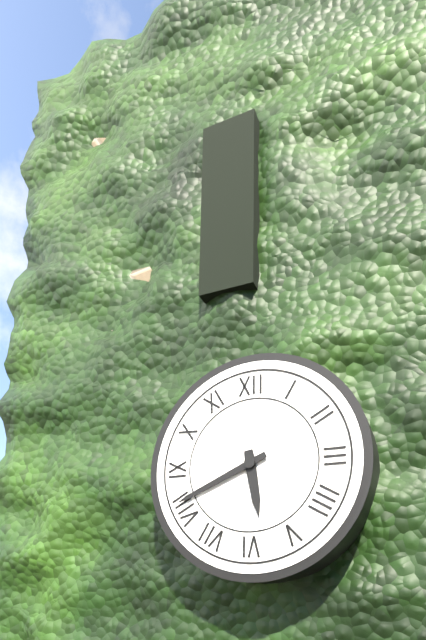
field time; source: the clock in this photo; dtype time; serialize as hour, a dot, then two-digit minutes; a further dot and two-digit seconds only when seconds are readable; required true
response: 5.41
